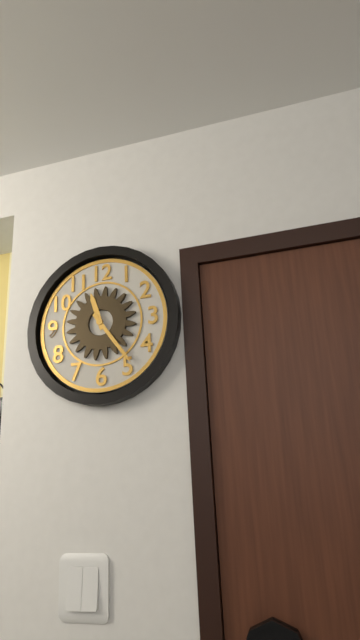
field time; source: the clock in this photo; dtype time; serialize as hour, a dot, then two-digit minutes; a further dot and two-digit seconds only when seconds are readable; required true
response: 11.24
